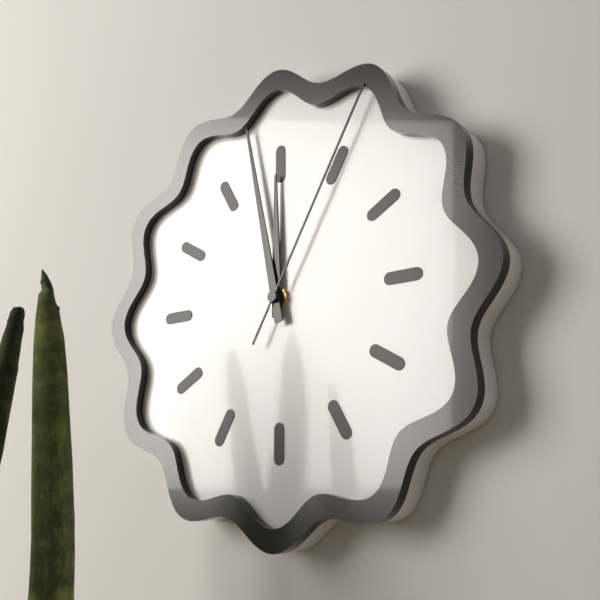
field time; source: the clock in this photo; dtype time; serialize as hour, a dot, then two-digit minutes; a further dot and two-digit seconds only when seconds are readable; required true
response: 11.58.05
